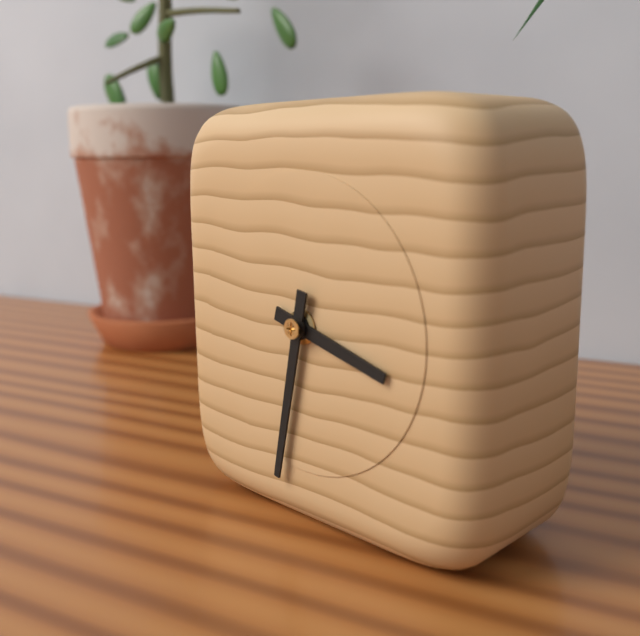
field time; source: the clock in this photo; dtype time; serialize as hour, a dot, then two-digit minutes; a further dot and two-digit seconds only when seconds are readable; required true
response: 3.32
